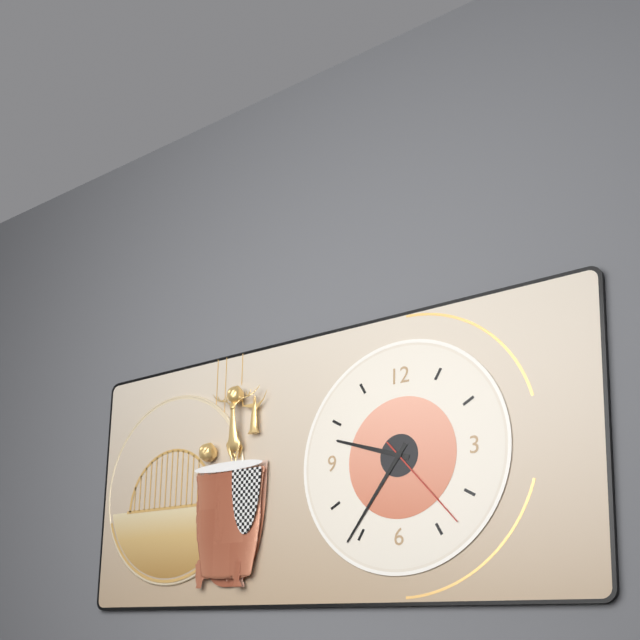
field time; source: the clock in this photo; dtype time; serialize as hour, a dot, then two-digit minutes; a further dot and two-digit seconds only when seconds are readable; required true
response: 9.36.23
